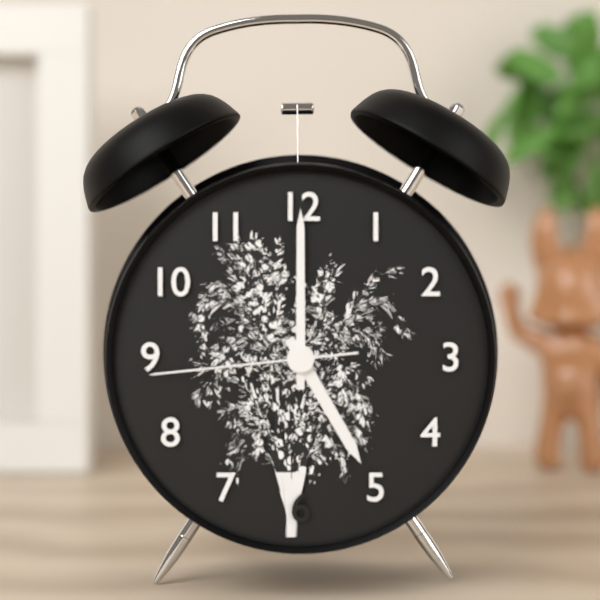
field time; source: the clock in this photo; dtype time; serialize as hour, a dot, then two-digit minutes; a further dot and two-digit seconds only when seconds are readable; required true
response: 5.00.44
